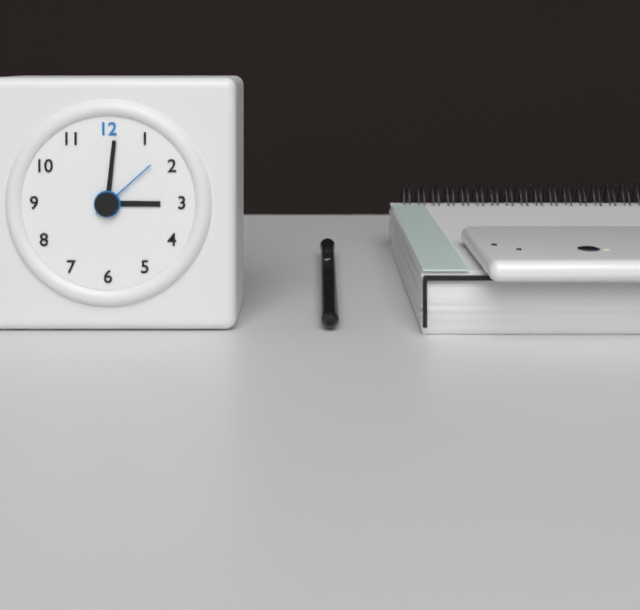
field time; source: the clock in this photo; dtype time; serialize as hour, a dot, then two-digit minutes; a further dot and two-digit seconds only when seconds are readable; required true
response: 3.01.08
